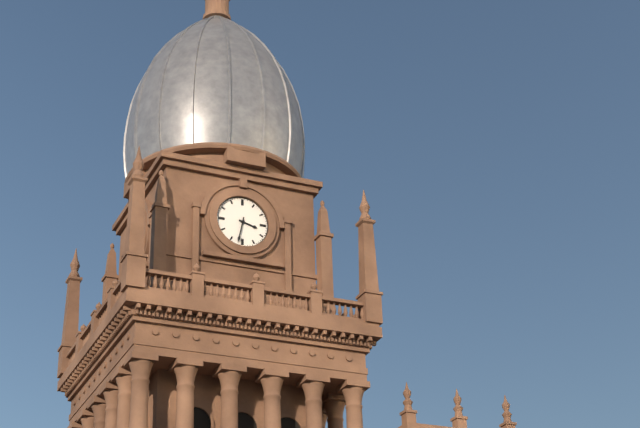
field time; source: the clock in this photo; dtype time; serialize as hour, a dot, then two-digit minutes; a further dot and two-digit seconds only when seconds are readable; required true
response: 3.32
